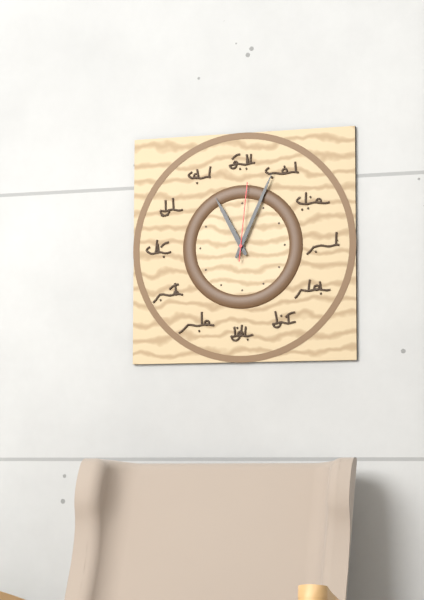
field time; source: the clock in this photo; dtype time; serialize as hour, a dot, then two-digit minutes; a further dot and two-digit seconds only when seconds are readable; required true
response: 11.04.01
